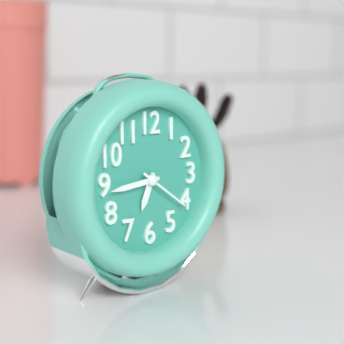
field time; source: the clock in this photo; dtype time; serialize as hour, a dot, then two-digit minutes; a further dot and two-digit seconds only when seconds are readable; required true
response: 6.44.21
